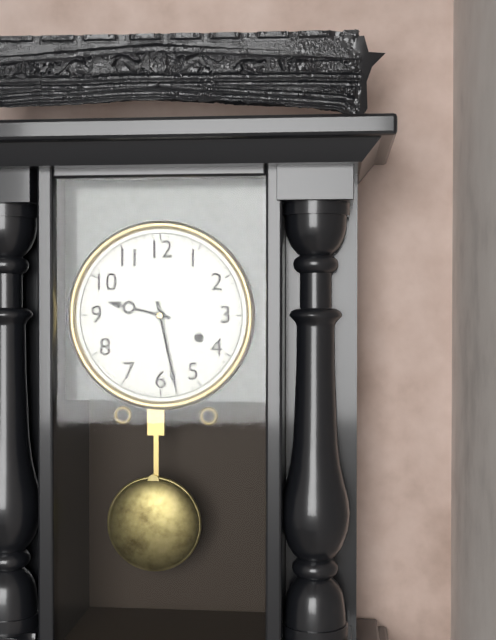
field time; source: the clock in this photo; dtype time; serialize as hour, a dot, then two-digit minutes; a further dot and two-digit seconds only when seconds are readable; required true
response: 9.28
